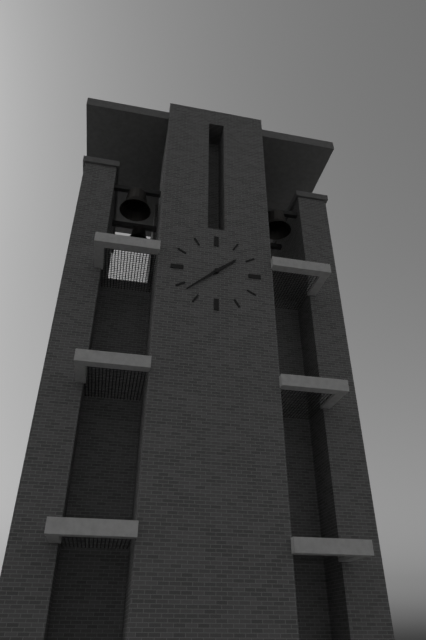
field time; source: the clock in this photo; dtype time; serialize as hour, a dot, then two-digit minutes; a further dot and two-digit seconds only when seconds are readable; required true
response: 1.38
